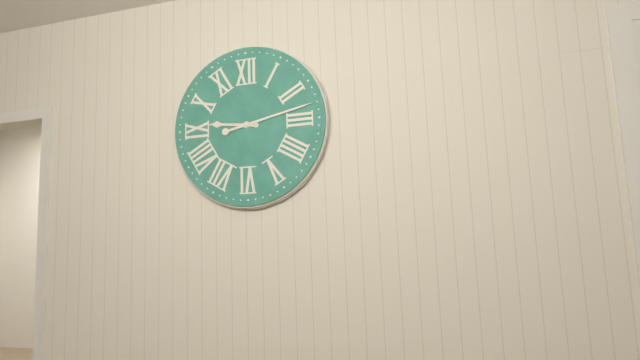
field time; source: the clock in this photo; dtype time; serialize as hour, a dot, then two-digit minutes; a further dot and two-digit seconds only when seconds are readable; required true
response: 9.13
